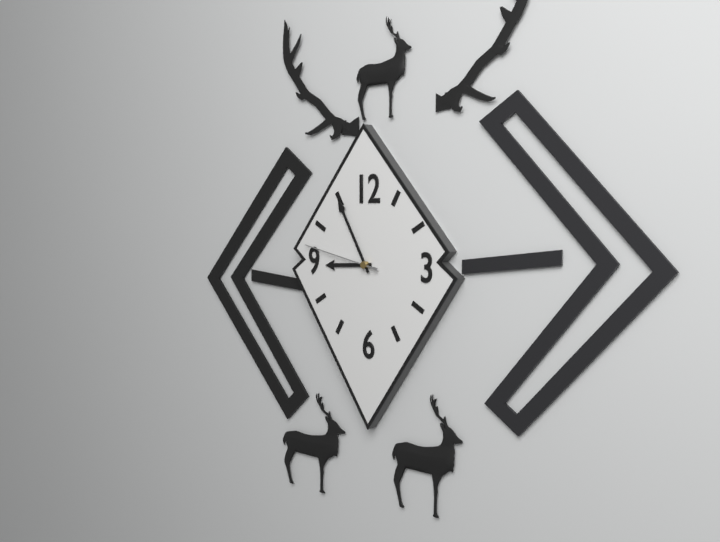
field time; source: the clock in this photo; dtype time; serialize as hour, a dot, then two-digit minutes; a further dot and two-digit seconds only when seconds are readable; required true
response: 8.55.47
